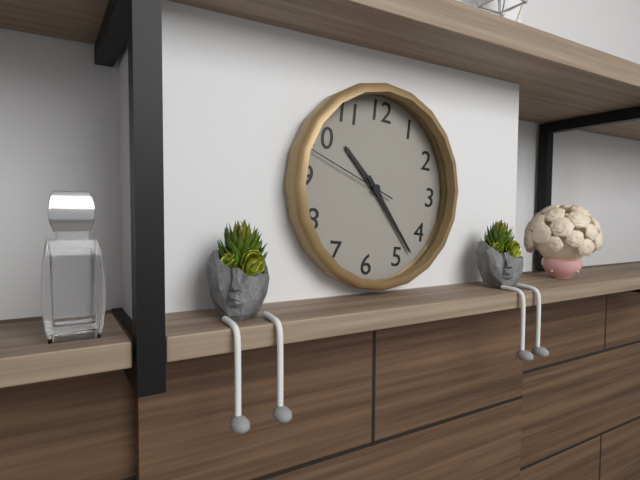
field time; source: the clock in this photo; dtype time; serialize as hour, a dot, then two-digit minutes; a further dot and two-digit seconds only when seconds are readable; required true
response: 10.23.48
